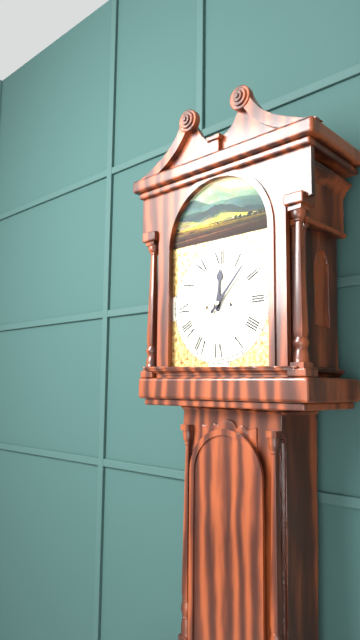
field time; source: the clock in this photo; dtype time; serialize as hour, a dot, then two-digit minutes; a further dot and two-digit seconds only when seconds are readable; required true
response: 12.07
